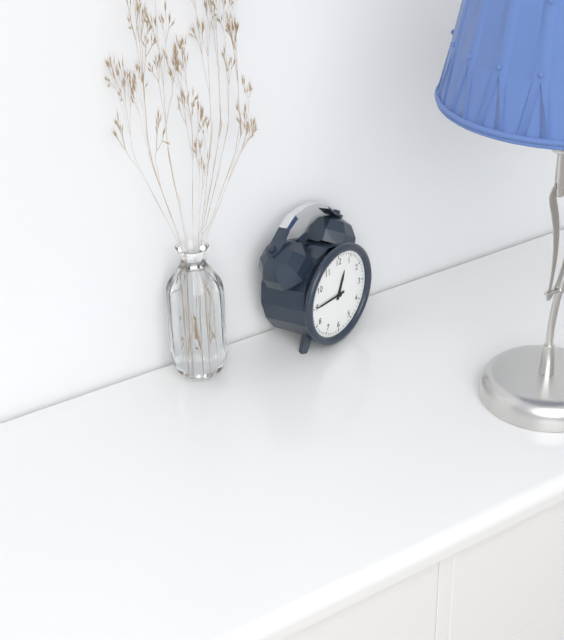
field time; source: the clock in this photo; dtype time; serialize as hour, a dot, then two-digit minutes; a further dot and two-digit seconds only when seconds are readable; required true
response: 12.45
